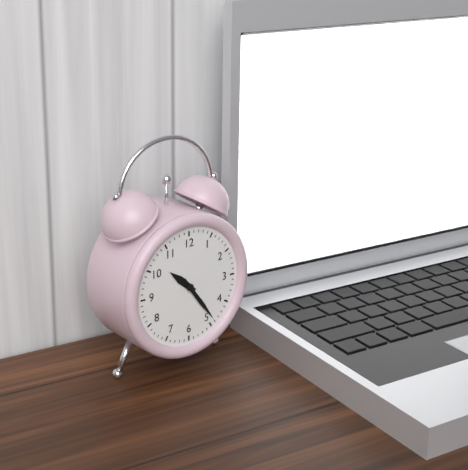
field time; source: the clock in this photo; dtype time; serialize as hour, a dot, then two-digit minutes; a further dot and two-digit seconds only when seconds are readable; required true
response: 10.24
